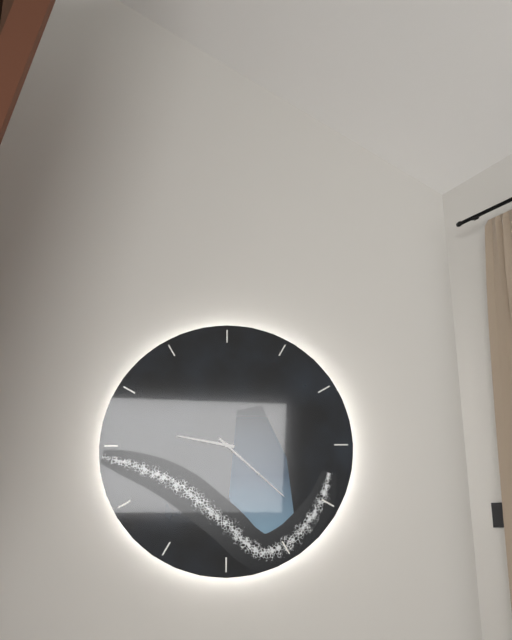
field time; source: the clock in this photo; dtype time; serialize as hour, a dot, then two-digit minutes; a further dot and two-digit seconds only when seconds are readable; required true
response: 9.22
